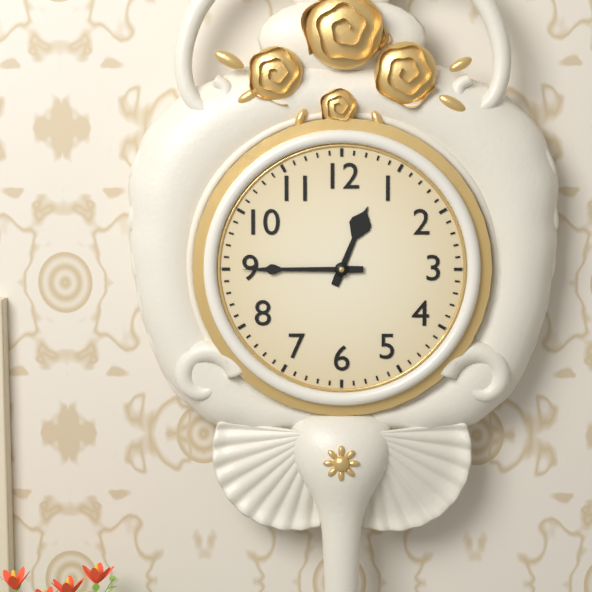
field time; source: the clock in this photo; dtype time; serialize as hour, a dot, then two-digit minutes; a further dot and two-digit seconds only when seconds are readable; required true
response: 12.45
